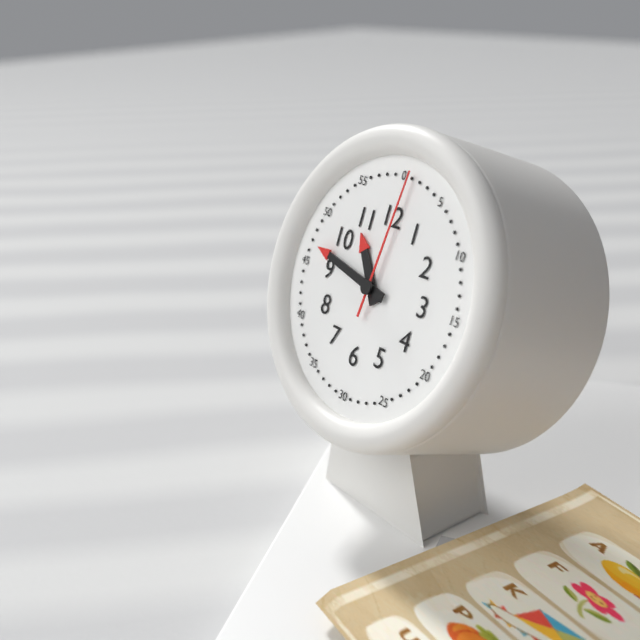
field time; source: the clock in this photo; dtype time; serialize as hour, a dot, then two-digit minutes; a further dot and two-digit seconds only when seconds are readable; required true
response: 10.47.01
